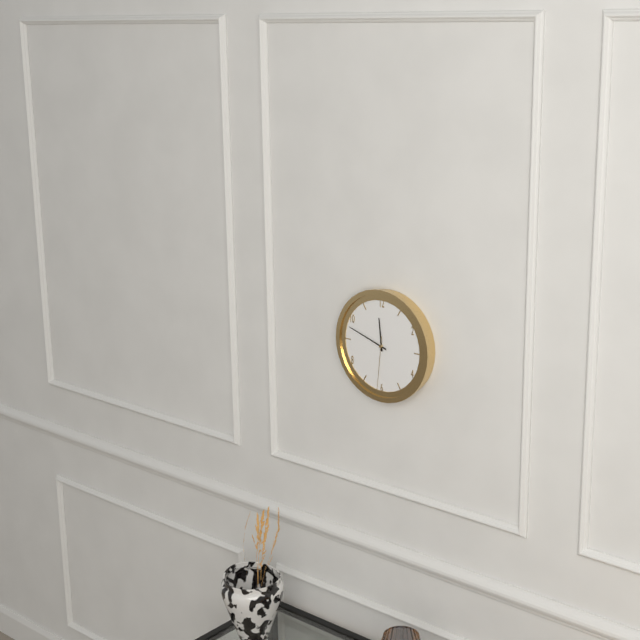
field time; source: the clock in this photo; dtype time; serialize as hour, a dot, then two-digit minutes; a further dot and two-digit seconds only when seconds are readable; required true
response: 11.48.31
